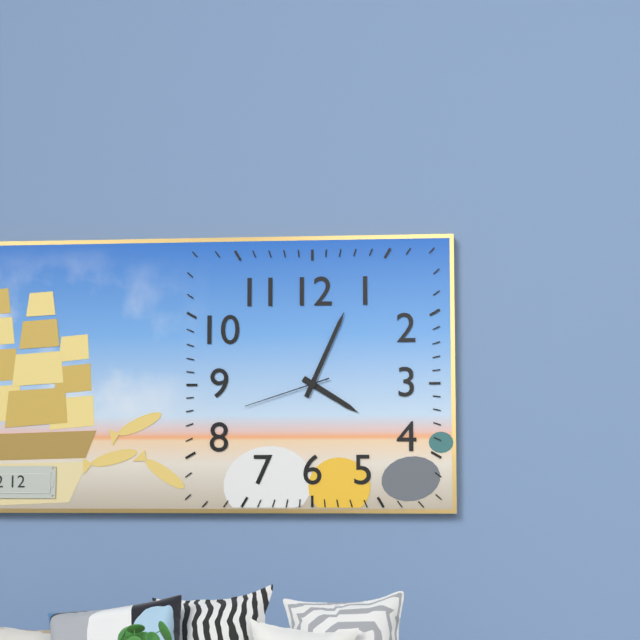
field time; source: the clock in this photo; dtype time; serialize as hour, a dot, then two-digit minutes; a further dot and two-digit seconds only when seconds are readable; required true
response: 4.04.42
